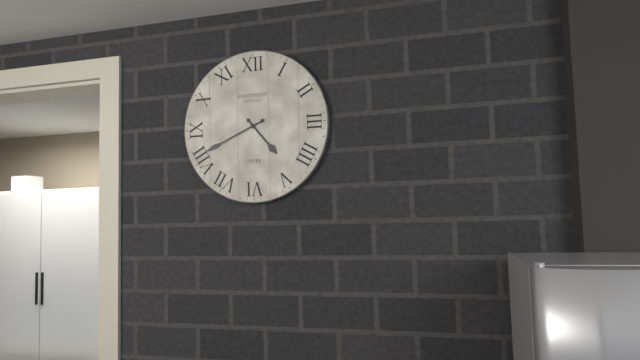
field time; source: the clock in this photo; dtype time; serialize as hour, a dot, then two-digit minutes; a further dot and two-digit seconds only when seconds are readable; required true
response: 4.41
